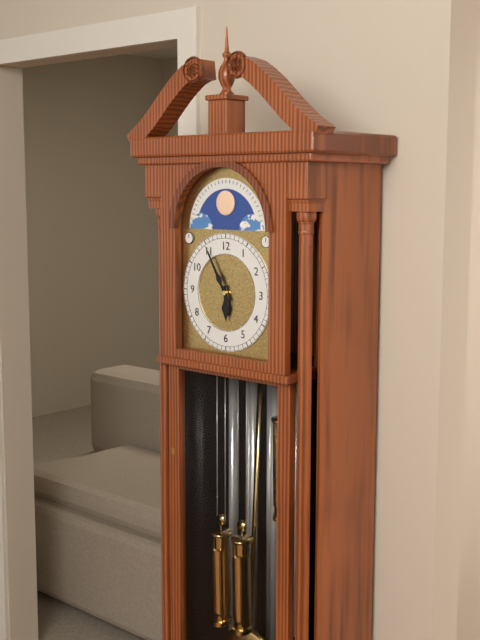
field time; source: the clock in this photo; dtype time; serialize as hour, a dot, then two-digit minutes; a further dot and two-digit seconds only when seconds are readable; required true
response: 5.55
